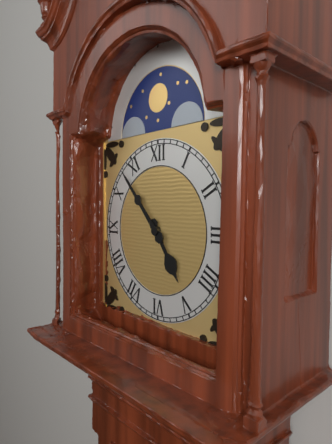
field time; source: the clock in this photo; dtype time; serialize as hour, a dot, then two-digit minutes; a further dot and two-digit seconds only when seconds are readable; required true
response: 4.53
